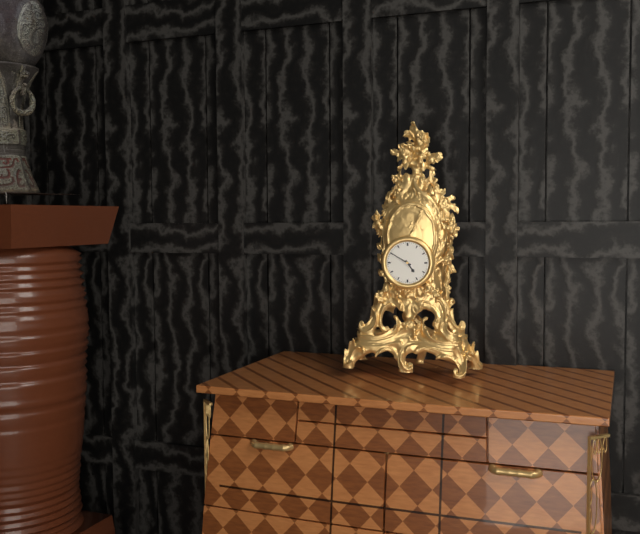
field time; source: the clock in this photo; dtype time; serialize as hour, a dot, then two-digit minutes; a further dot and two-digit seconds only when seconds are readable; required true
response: 4.50
